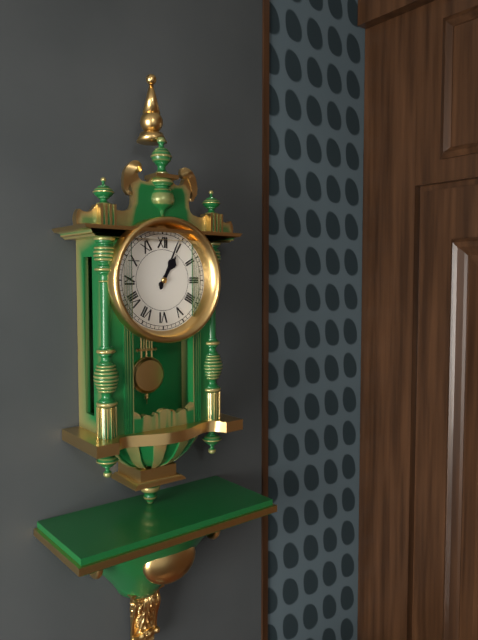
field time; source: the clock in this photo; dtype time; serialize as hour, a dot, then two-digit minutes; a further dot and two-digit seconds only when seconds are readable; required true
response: 1.04
